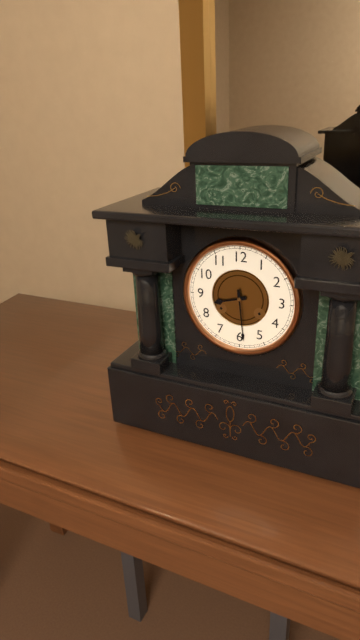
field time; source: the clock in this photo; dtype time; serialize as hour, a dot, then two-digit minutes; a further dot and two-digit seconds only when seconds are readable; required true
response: 8.29
